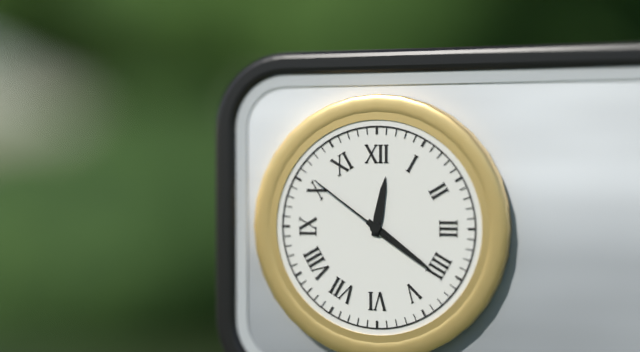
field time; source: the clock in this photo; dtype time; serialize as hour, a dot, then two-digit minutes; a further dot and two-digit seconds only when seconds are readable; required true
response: 12.21.51
